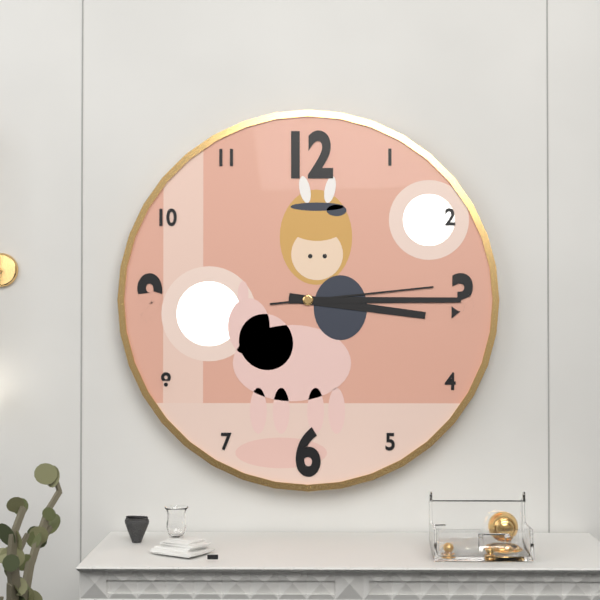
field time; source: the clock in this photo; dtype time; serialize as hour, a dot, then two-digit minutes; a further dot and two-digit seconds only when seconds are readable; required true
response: 3.15.14
